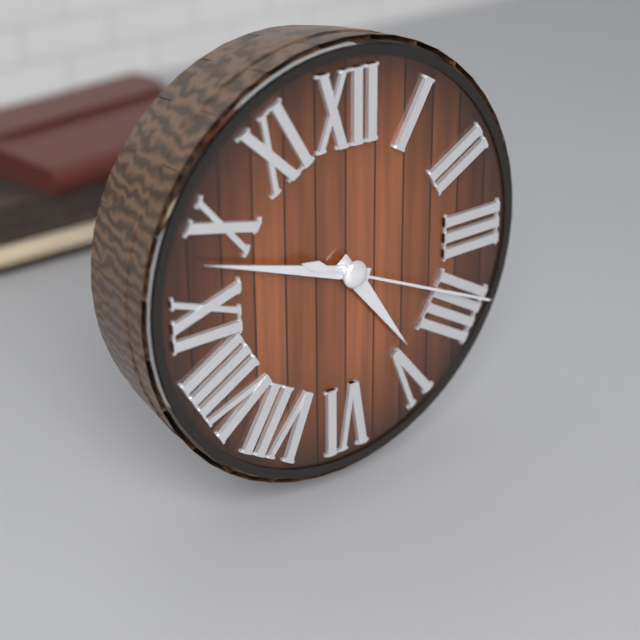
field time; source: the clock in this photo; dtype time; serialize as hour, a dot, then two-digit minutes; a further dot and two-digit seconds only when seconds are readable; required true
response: 4.48.19
